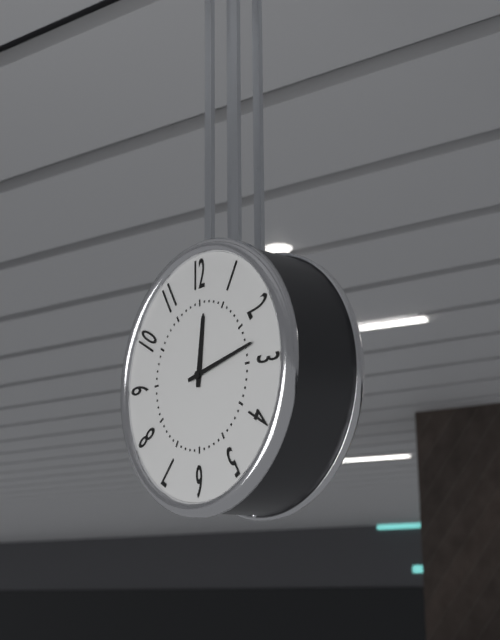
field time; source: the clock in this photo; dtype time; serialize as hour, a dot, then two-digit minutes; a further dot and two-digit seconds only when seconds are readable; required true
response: 12.13
